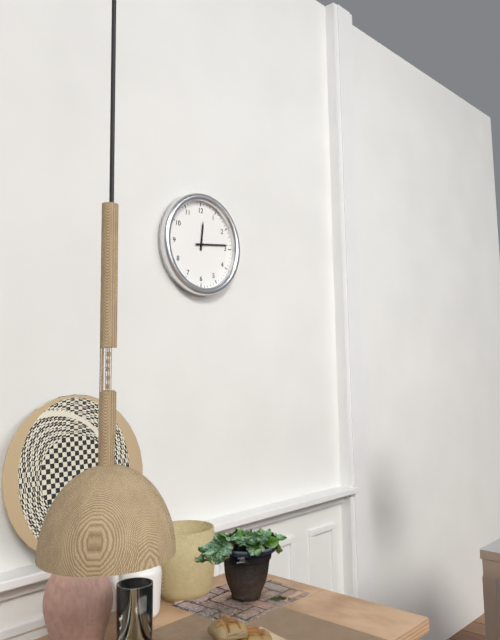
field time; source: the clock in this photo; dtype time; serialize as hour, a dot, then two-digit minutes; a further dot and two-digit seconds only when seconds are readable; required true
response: 12.14
